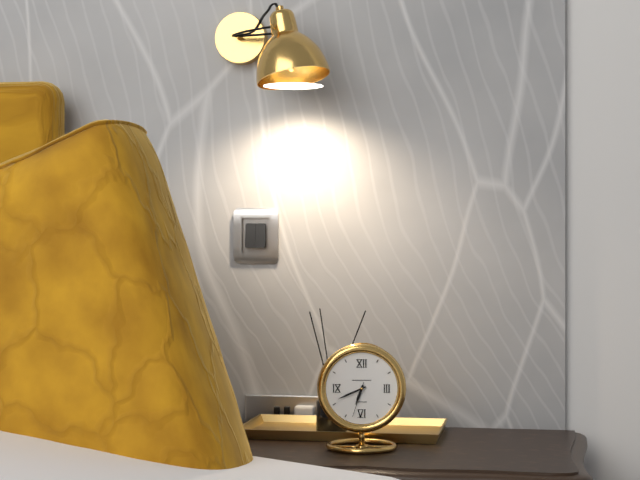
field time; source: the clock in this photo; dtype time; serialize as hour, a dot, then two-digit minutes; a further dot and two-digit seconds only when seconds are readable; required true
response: 6.41
